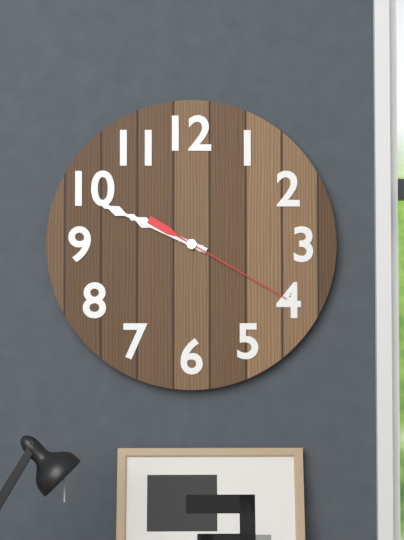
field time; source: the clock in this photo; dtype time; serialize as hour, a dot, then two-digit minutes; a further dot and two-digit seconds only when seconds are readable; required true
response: 9.49.20
